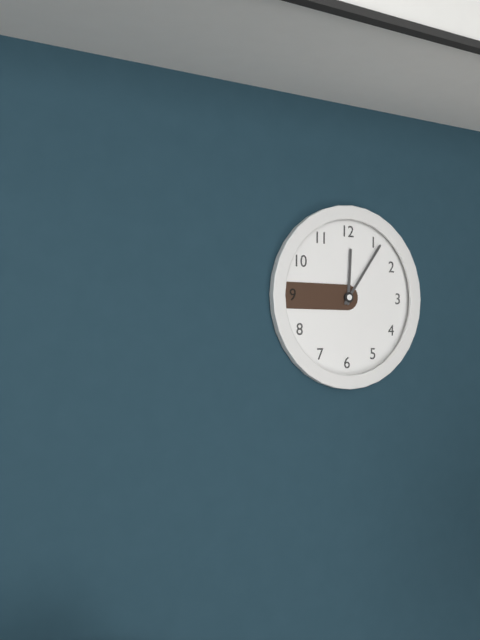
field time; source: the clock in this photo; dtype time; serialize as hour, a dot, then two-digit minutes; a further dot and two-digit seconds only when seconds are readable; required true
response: 12.06
